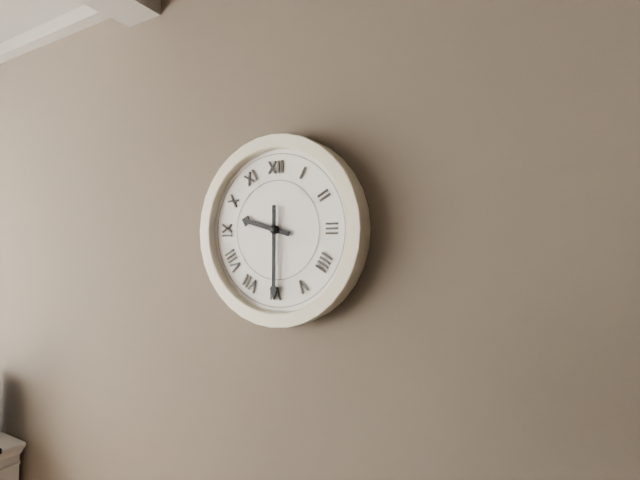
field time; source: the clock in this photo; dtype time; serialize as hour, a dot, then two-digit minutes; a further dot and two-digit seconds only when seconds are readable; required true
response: 9.30
